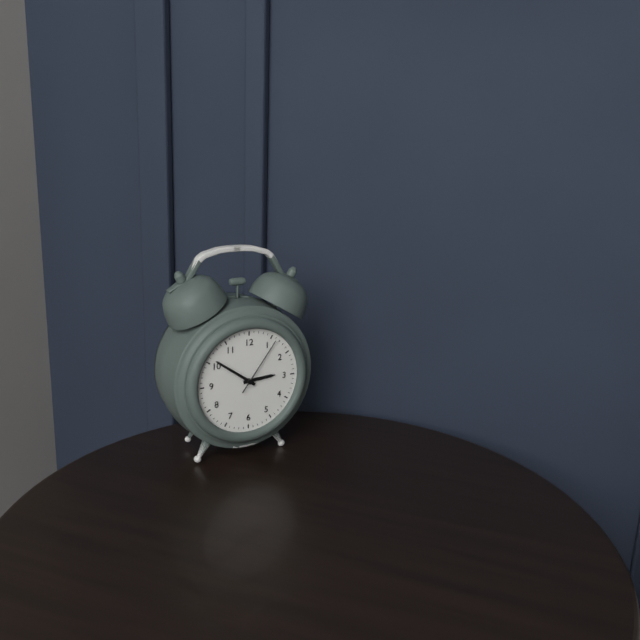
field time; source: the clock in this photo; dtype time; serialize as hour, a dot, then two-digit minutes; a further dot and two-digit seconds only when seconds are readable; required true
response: 2.51.06
